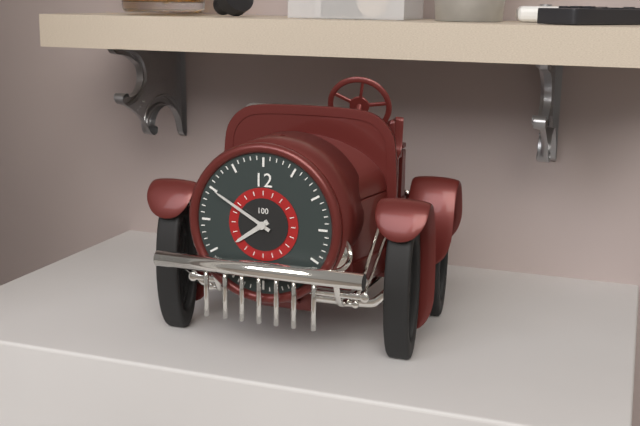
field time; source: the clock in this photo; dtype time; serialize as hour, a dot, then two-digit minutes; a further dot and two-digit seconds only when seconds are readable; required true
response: 7.50
